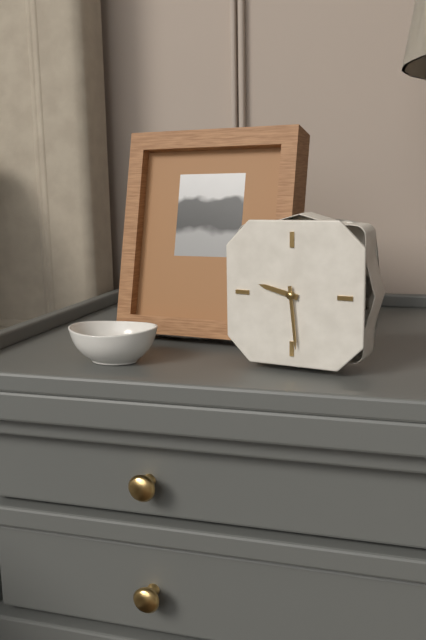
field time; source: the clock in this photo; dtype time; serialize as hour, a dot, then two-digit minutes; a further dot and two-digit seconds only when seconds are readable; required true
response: 9.29
